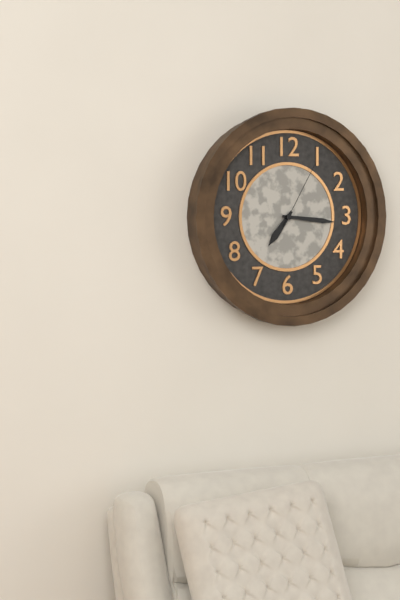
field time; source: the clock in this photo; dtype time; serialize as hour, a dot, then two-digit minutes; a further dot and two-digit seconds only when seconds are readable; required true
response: 7.16.05
